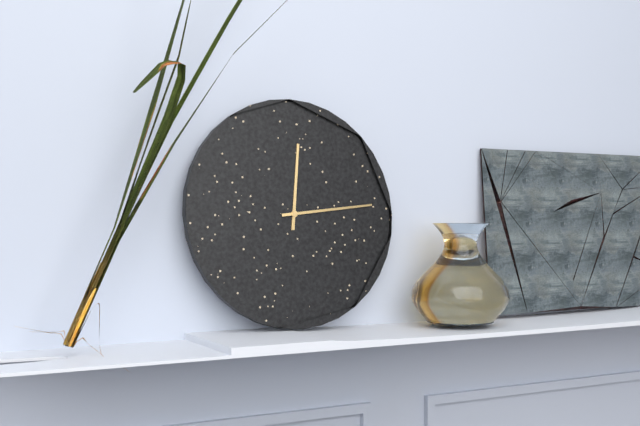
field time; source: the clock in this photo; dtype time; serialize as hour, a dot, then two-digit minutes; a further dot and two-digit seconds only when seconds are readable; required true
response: 12.14
